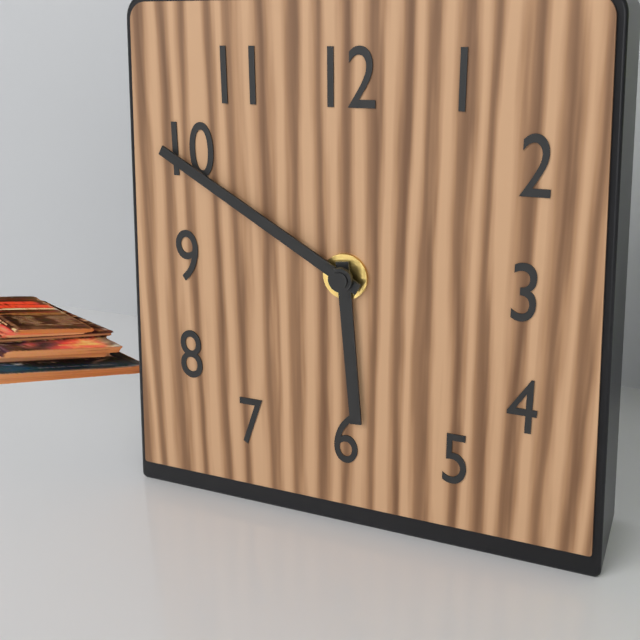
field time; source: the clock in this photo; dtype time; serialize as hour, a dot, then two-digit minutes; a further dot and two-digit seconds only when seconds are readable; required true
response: 5.50
